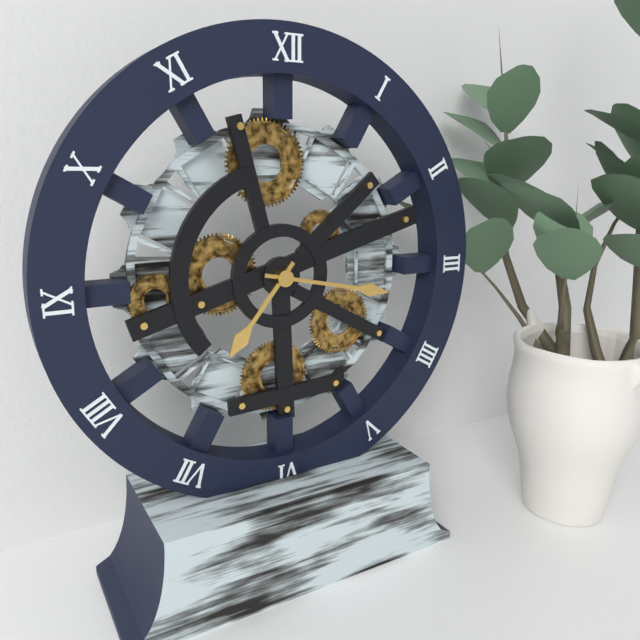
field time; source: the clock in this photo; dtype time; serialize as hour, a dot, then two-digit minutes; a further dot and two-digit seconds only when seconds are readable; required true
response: 7.17
